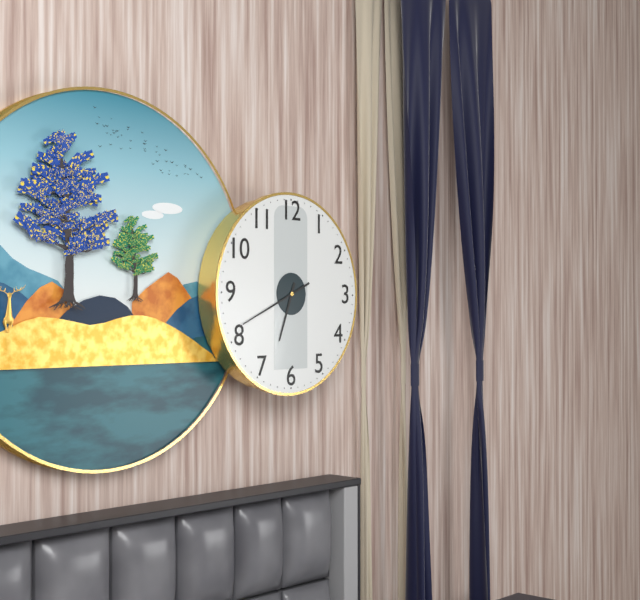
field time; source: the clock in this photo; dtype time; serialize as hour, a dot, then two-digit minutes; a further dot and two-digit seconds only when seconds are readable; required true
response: 6.41
